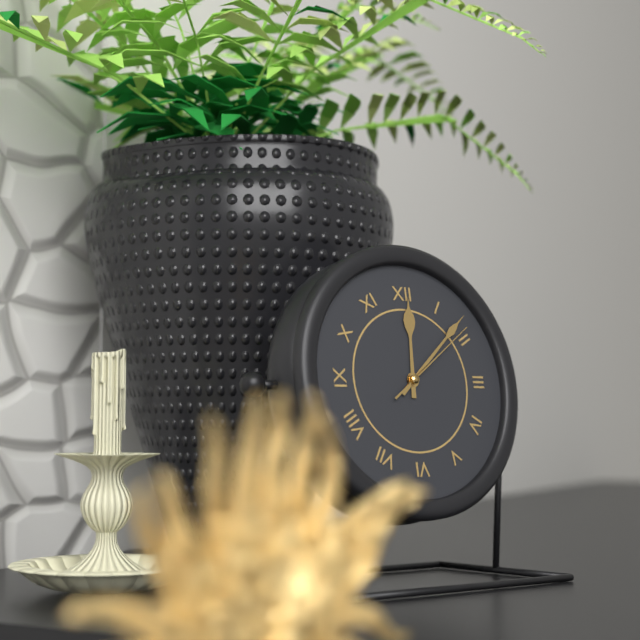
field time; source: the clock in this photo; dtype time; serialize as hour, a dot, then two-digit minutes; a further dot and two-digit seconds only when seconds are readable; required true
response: 12.08.09
